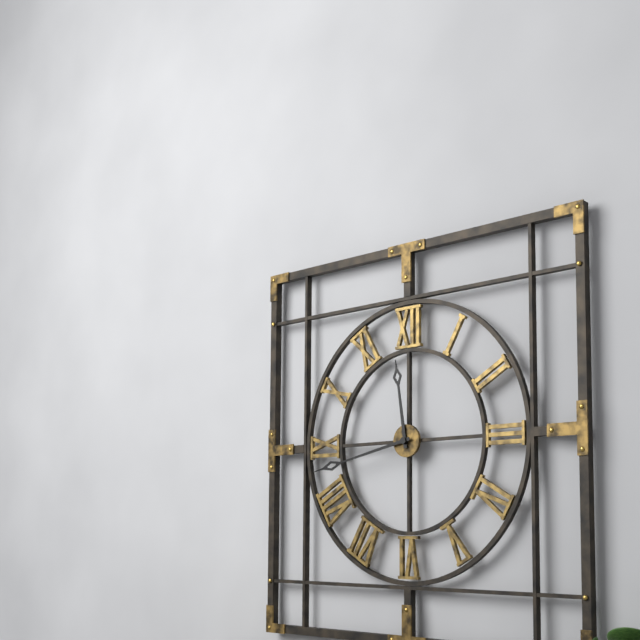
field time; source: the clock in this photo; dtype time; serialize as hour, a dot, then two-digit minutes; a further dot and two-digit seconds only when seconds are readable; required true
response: 11.43
